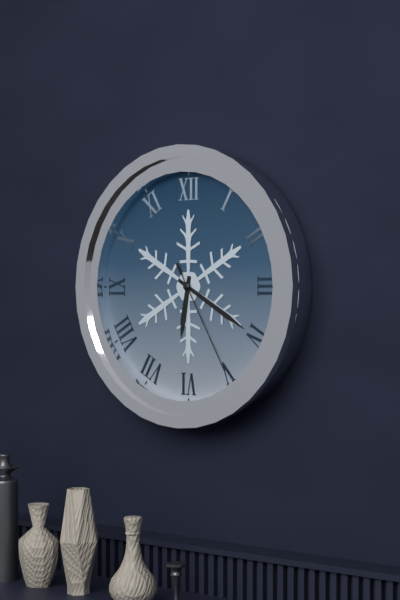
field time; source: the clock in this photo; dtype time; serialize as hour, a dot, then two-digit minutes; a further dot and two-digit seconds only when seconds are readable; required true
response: 6.20.25
